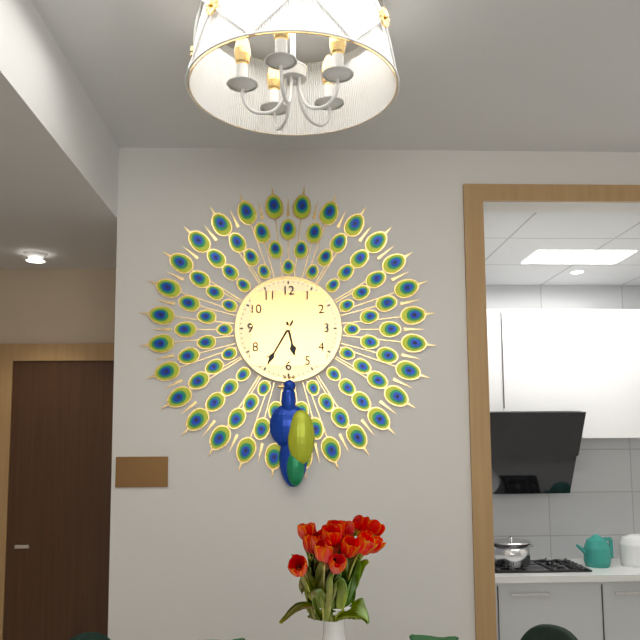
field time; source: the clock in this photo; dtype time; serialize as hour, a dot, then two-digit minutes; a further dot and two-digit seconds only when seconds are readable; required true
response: 5.35
